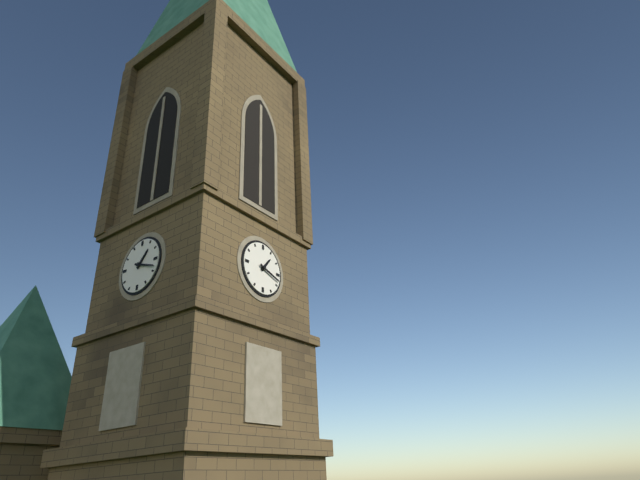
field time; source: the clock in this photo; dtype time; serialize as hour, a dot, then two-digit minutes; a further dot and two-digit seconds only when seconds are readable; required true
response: 1.18
